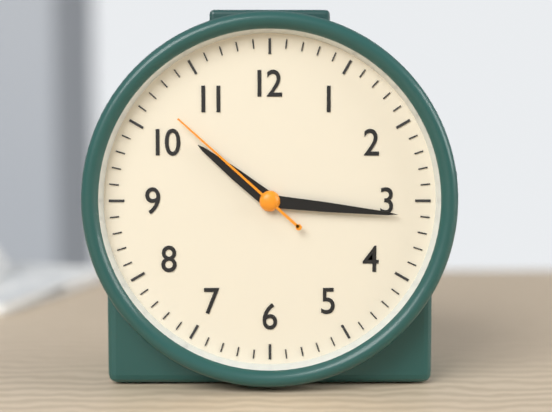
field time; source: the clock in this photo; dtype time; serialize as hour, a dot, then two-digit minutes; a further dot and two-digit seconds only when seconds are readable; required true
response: 10.16.52
